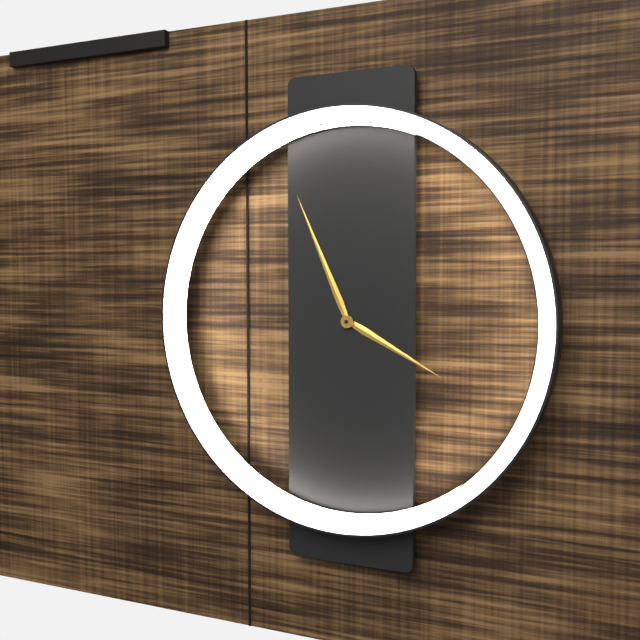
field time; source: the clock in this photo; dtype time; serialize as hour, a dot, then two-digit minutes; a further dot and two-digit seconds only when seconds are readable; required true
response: 3.56
